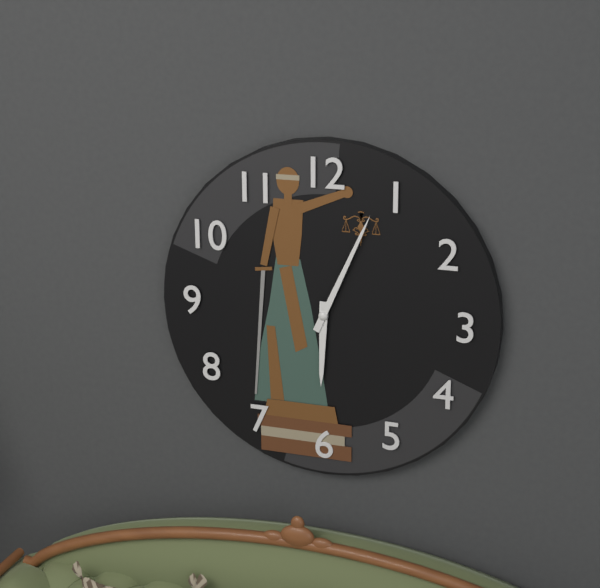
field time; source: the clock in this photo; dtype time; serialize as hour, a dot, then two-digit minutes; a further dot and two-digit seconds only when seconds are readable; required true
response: 6.04
